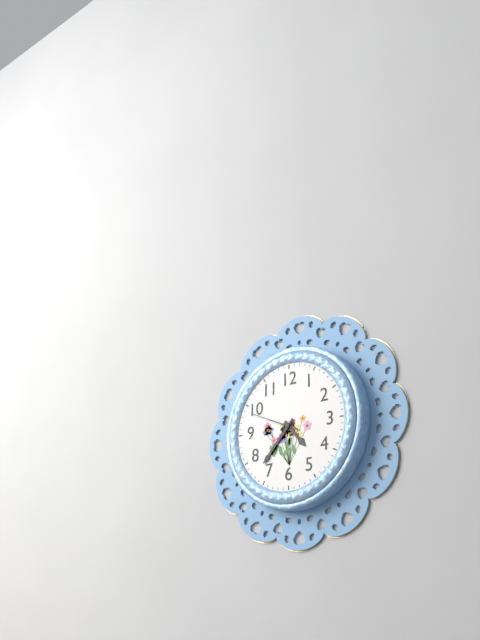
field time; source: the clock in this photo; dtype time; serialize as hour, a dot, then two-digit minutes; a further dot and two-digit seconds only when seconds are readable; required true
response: 4.37
